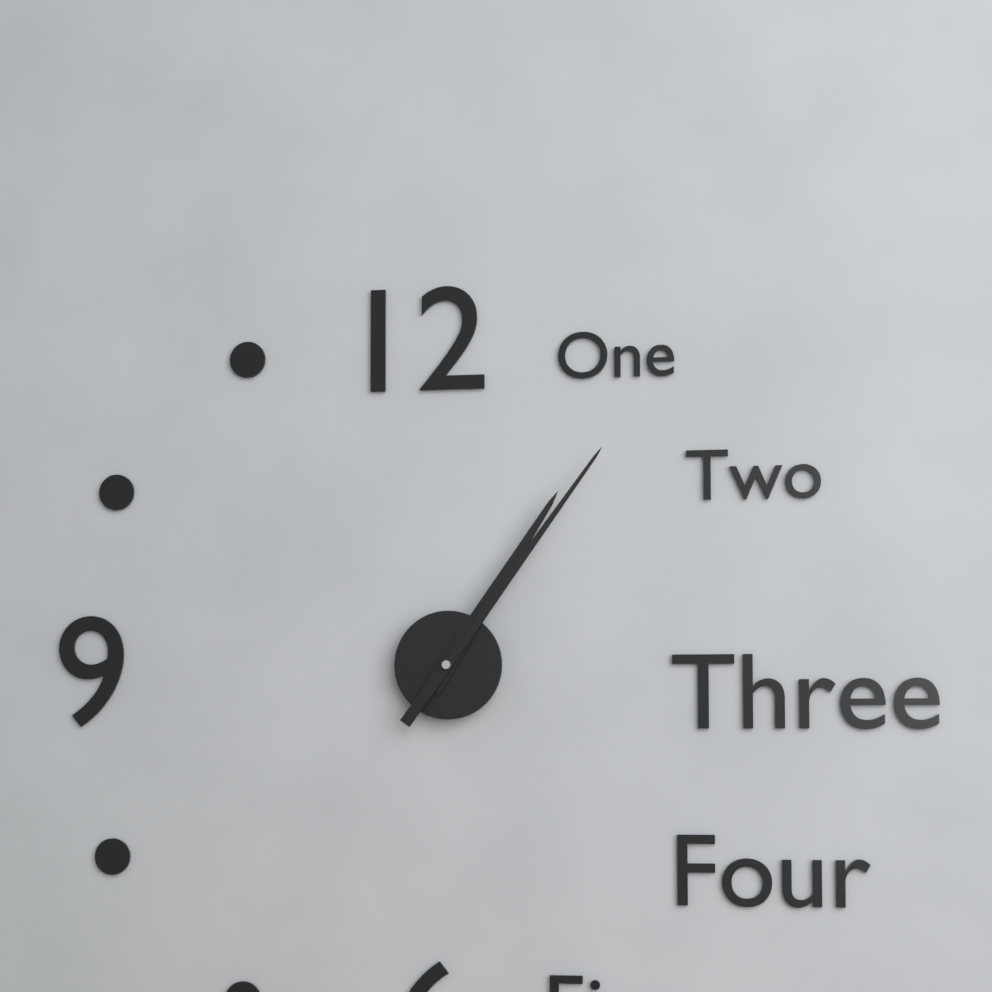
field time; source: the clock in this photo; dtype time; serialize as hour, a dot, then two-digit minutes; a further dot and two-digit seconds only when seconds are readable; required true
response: 1.06
